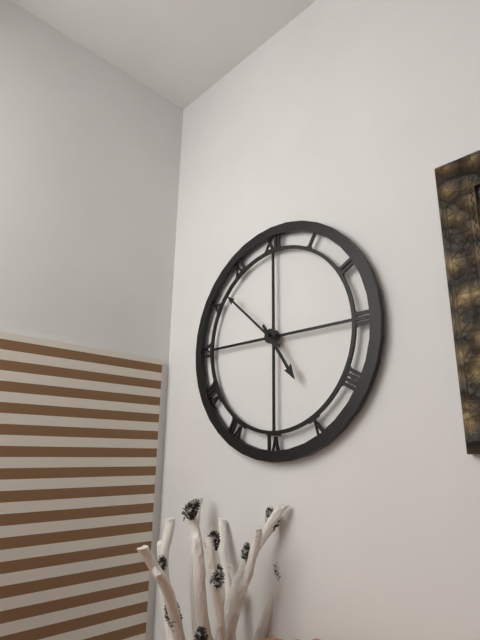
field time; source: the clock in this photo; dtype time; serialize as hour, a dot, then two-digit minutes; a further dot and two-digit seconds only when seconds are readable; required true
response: 4.52
